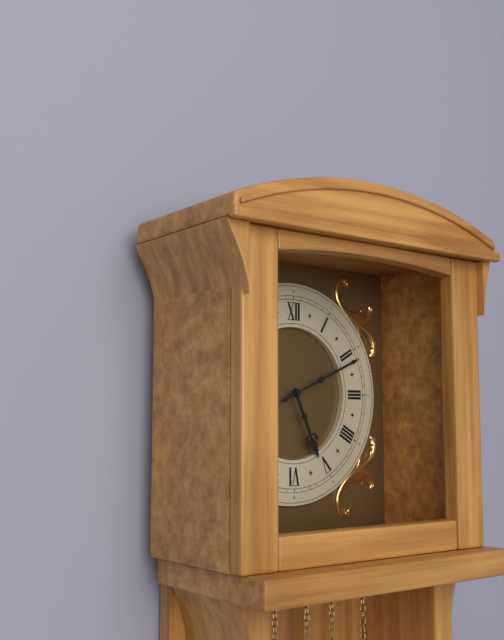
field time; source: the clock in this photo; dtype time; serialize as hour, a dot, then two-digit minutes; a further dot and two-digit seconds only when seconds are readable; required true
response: 5.11
